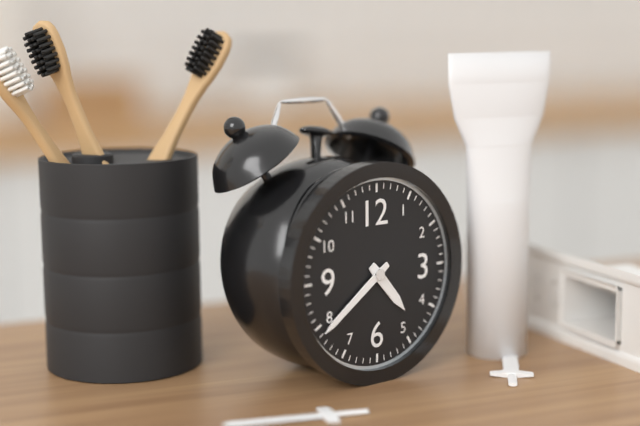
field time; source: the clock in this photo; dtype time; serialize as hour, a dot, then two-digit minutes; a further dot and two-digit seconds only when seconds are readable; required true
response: 4.39
